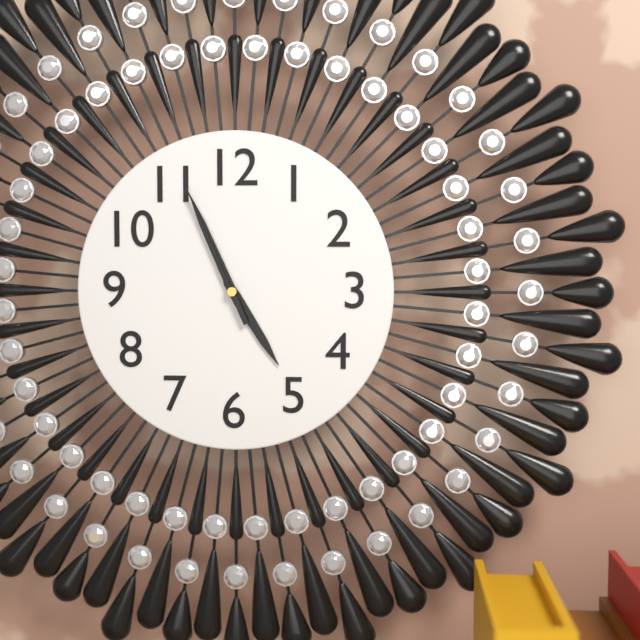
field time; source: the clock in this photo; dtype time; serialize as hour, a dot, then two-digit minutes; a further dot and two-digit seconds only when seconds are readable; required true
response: 4.56.56
